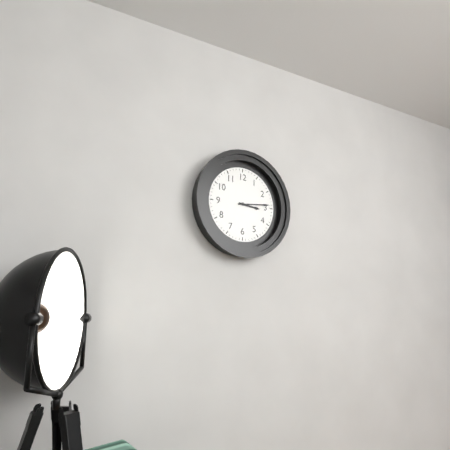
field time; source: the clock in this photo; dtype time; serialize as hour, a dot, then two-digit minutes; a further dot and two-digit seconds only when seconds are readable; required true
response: 3.14
